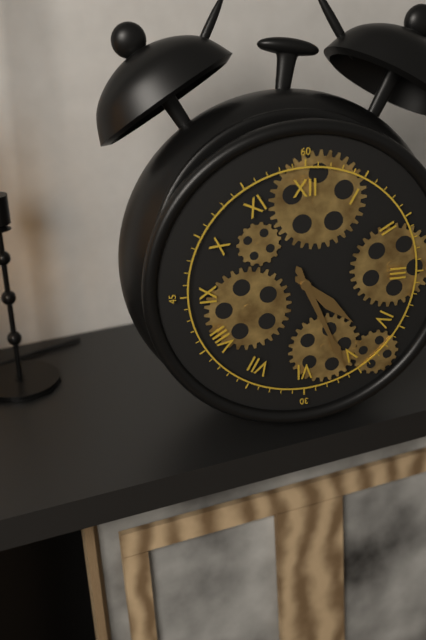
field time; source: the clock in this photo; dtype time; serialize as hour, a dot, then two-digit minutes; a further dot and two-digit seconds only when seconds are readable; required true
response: 4.26
